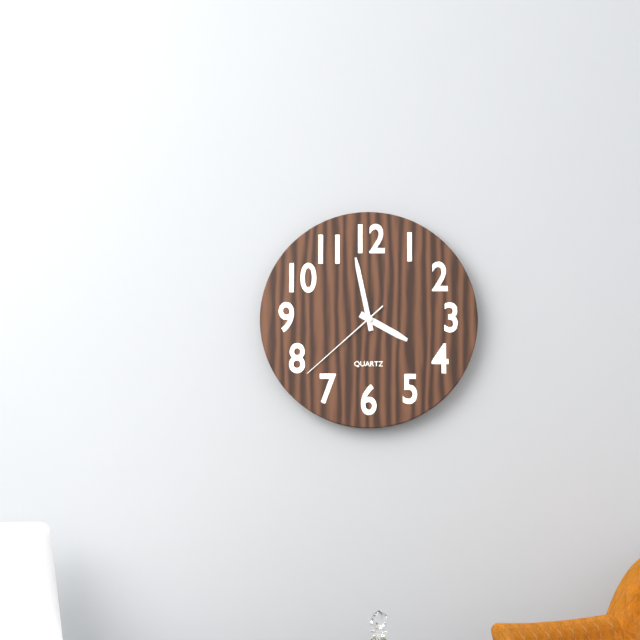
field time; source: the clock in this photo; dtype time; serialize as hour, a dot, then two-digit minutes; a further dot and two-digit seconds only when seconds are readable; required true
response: 3.58.38
